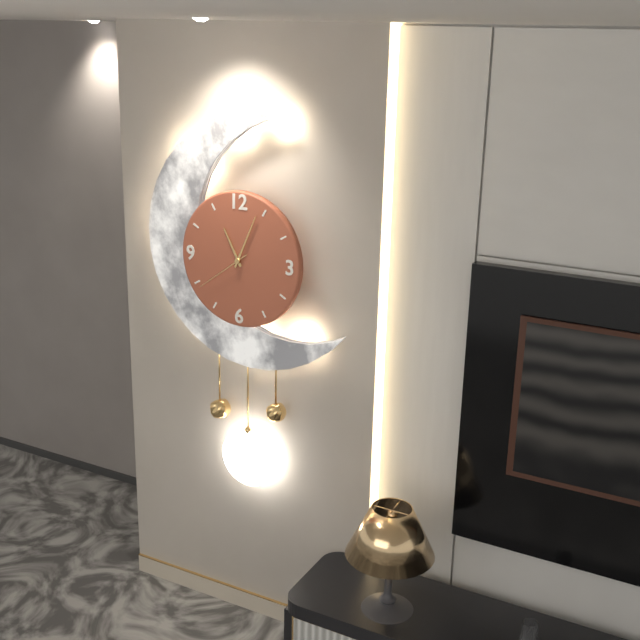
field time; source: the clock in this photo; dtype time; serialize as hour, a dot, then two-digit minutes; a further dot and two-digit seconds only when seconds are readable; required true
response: 11.04.39
